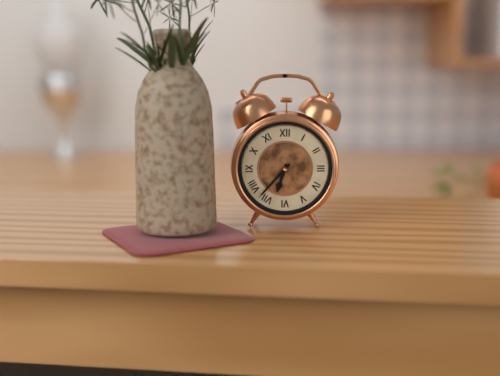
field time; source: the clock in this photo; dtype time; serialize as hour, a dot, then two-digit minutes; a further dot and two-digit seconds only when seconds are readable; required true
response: 6.37
